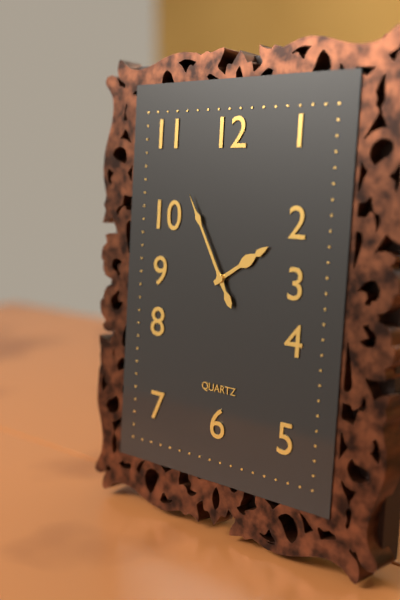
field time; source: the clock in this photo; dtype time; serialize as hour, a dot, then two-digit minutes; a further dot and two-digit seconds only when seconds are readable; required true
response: 1.55
